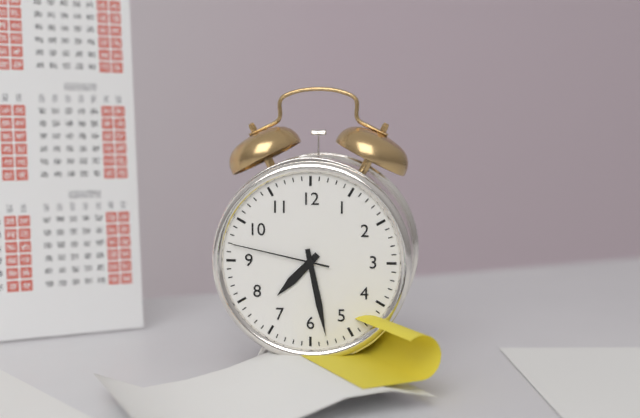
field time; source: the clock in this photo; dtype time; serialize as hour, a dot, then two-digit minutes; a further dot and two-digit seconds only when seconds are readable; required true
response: 7.28.47
